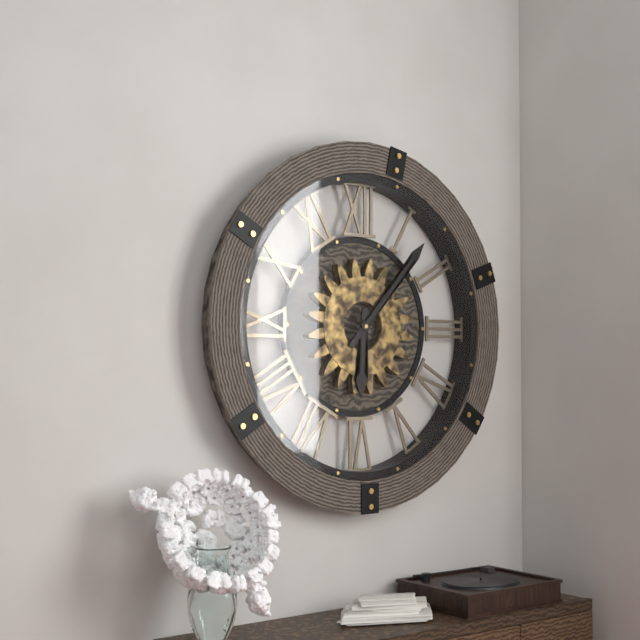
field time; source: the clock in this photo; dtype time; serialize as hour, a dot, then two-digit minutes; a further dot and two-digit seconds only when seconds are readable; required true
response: 6.07
